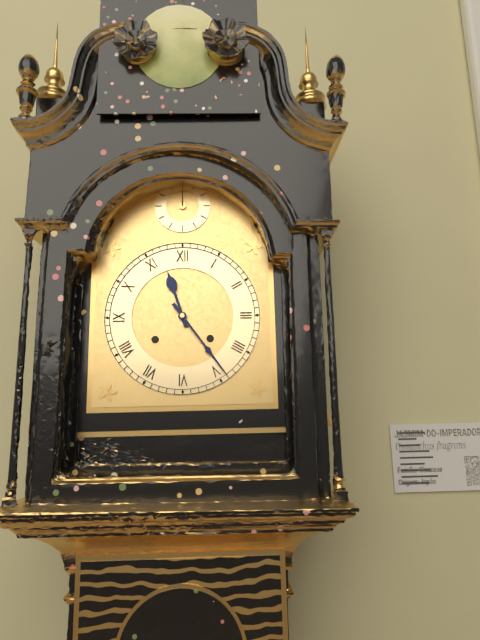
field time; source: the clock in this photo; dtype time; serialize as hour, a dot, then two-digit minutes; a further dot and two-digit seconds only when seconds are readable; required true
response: 11.24
